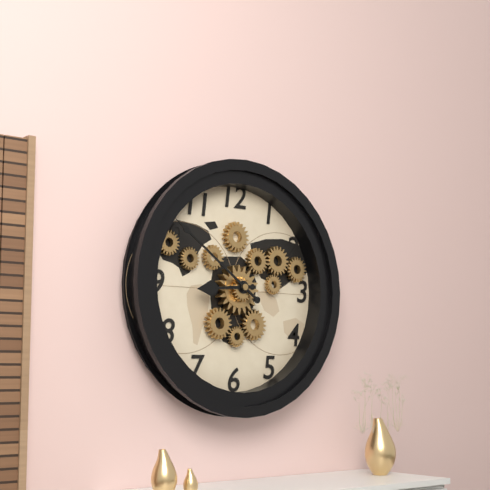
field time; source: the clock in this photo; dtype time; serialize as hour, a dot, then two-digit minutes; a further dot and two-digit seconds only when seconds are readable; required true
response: 8.51
